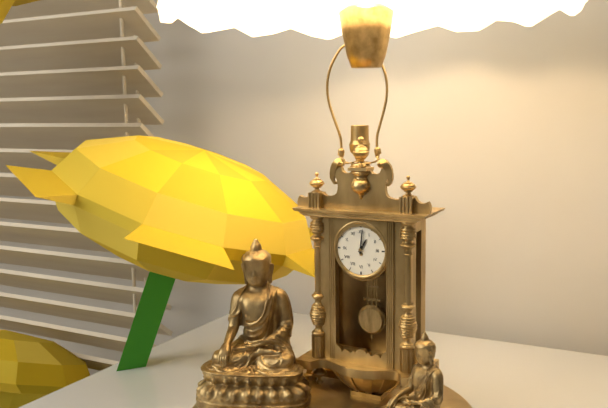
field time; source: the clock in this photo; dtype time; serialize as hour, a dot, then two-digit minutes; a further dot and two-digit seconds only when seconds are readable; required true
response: 1.01
